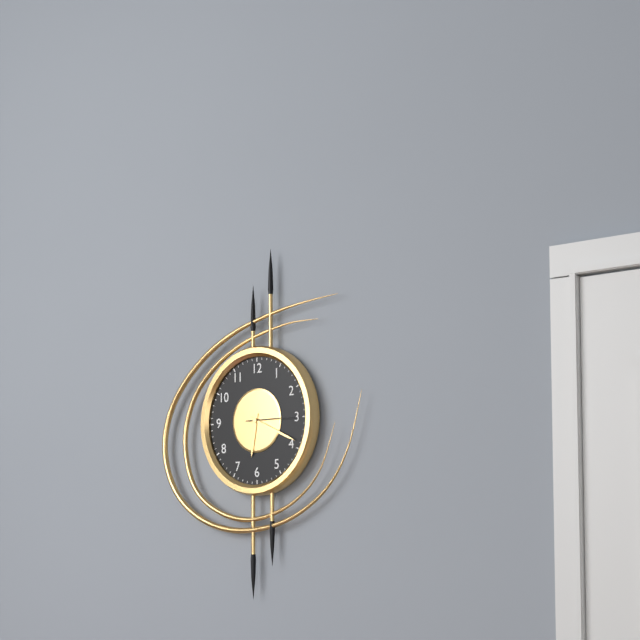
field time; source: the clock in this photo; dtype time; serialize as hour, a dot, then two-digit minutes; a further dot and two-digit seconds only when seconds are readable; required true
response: 6.19.15
